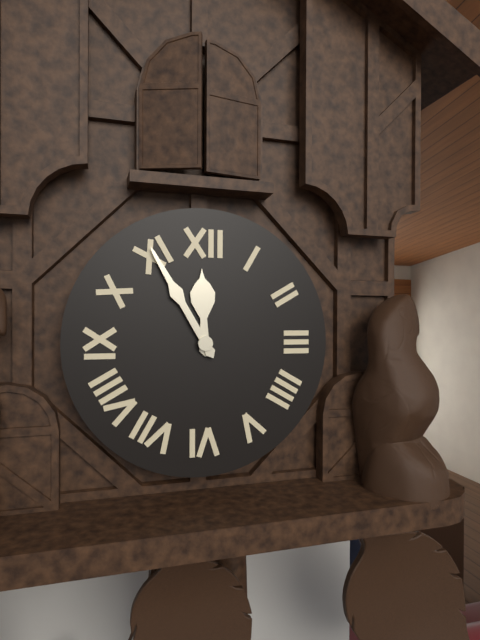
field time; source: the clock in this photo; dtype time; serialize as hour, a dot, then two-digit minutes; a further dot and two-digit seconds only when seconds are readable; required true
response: 11.55
